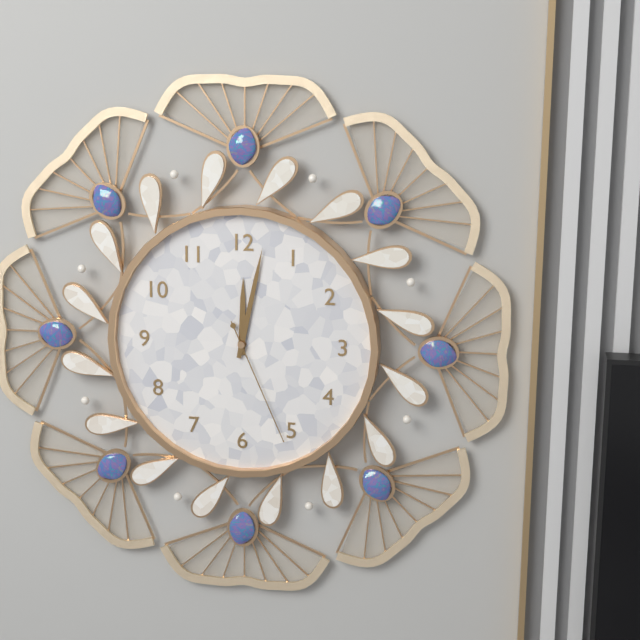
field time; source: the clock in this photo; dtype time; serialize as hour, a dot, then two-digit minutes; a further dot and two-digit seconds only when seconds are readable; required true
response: 12.02.26
